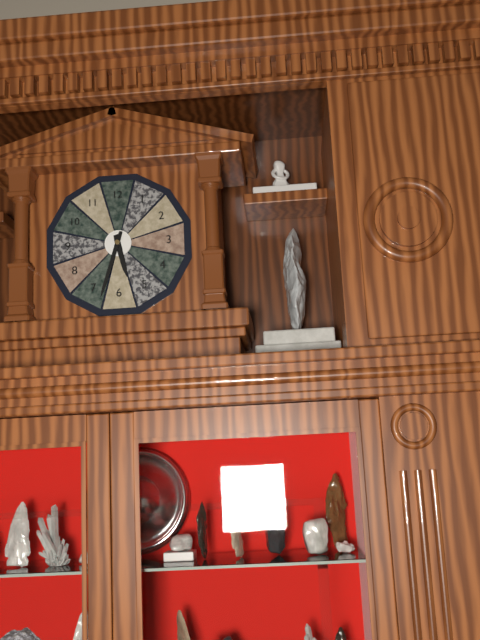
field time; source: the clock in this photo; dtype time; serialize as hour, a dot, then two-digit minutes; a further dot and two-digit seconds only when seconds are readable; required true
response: 5.33
